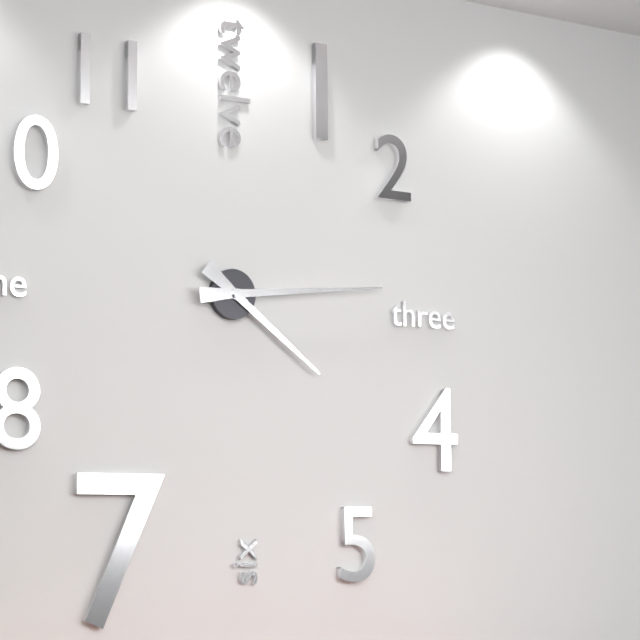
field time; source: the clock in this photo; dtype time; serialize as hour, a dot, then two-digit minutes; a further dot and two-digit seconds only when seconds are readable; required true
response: 4.14
